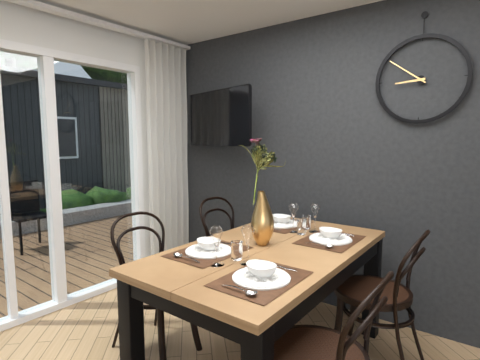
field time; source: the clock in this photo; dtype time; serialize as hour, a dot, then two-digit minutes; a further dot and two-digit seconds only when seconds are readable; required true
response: 8.51
